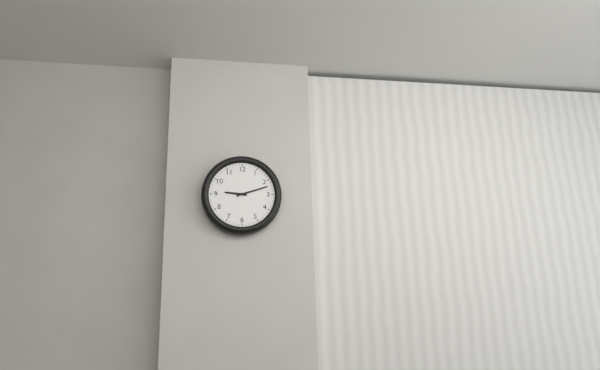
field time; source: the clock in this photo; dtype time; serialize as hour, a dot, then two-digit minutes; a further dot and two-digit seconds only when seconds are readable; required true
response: 9.12
